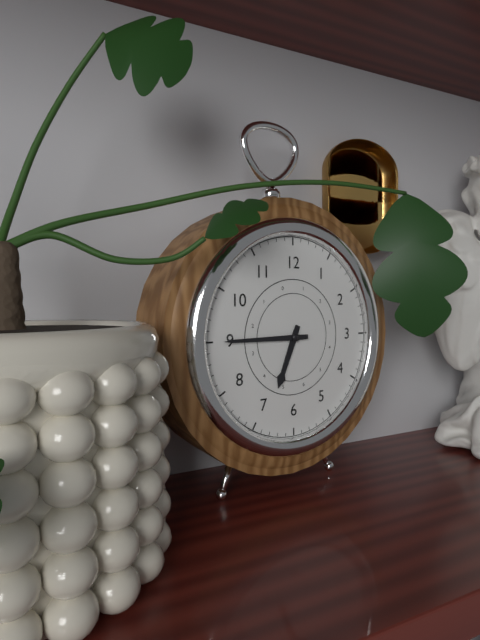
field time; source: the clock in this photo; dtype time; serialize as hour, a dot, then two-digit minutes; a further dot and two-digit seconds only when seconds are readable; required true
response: 6.45
